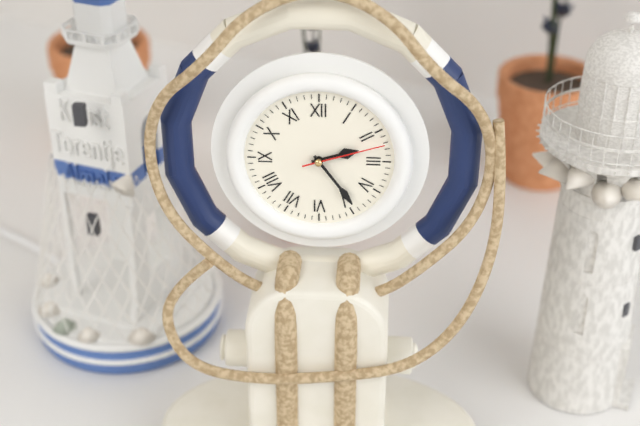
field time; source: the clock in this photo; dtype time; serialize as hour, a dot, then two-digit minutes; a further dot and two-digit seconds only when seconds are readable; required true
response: 2.24.12
